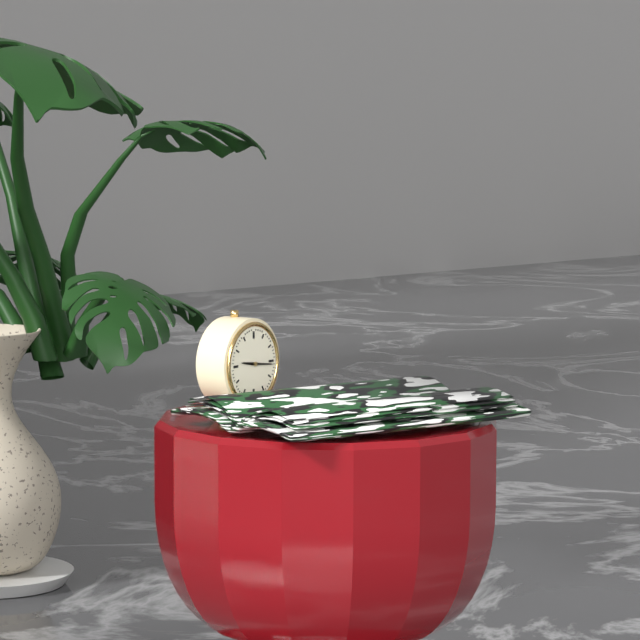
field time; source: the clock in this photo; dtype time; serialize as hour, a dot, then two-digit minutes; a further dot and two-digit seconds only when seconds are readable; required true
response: 9.16
